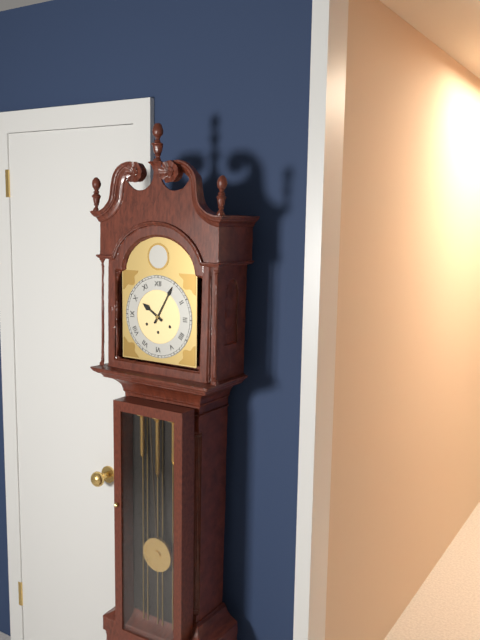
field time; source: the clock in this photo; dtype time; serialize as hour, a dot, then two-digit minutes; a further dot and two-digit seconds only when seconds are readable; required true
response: 10.05
